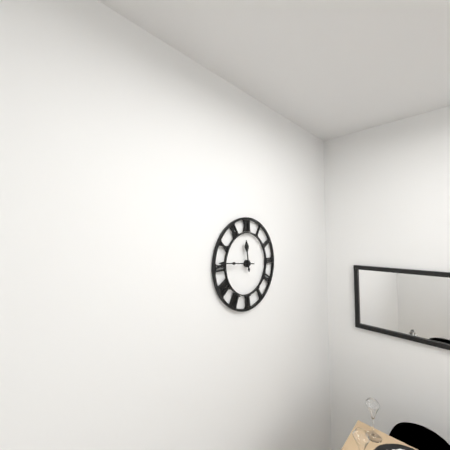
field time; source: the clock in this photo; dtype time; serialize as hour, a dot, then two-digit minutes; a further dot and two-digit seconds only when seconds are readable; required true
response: 11.46
